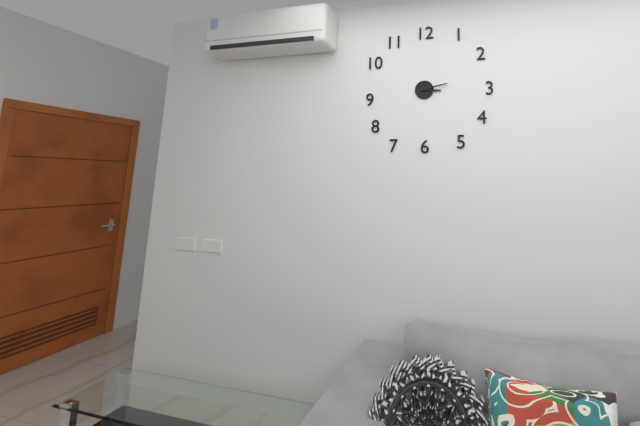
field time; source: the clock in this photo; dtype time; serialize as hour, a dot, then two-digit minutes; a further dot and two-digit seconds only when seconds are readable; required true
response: 3.13
